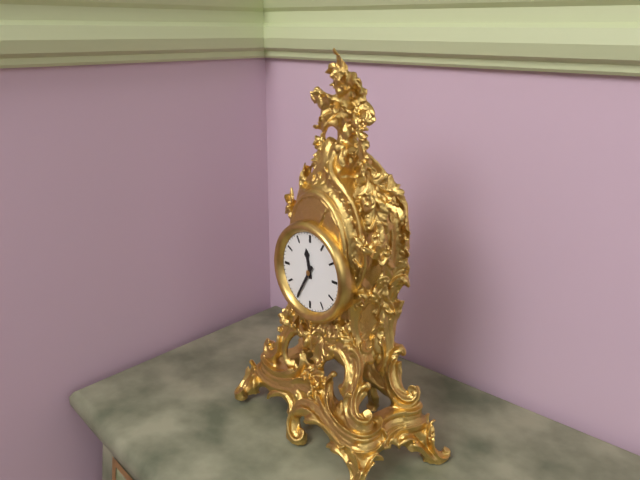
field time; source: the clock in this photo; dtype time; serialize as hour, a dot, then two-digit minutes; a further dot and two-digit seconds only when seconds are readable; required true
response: 11.35
